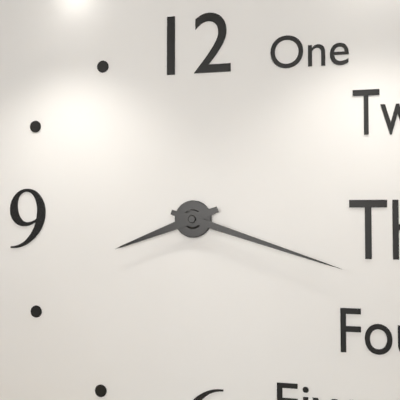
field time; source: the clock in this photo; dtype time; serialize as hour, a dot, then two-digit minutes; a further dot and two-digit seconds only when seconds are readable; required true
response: 8.18
